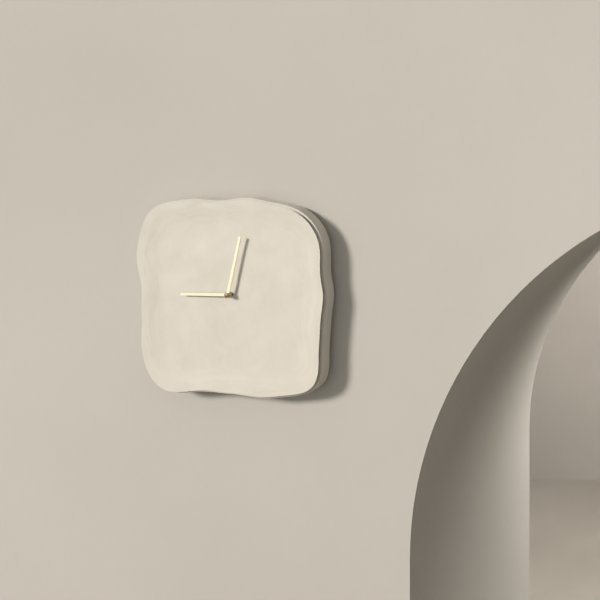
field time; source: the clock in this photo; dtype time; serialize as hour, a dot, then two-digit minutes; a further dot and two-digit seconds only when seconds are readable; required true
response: 9.02
